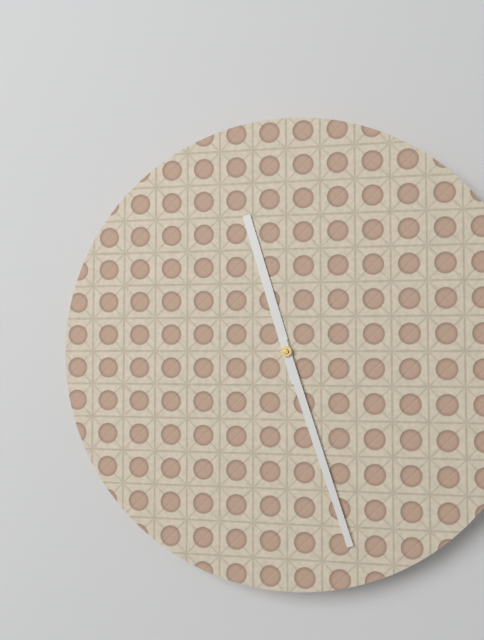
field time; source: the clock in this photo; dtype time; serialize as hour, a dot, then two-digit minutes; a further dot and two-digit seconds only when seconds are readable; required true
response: 11.27
